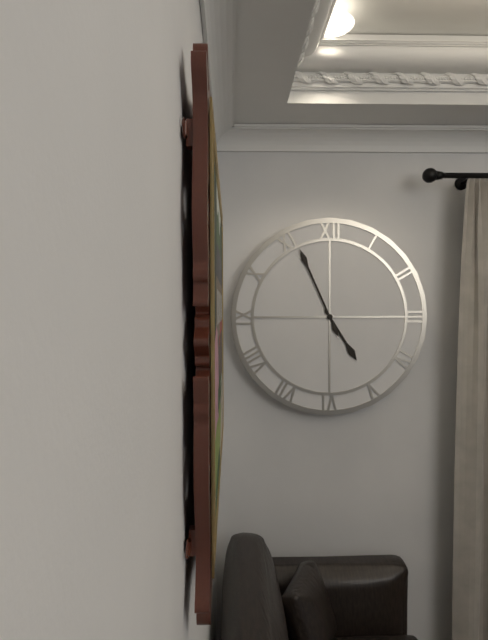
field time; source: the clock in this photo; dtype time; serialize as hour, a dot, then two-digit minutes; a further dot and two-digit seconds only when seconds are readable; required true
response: 4.56
